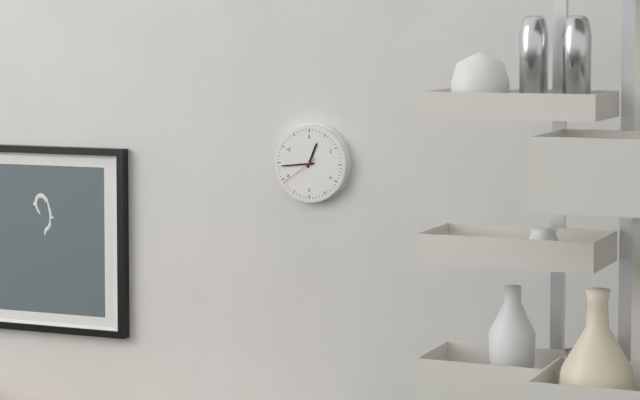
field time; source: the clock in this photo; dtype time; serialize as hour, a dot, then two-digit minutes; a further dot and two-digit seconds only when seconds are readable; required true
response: 12.44
